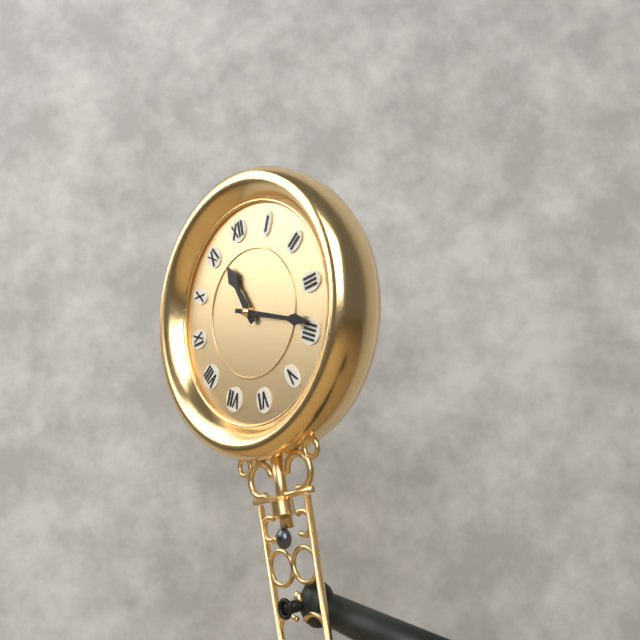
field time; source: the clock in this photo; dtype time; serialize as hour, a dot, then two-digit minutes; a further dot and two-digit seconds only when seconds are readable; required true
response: 11.19
